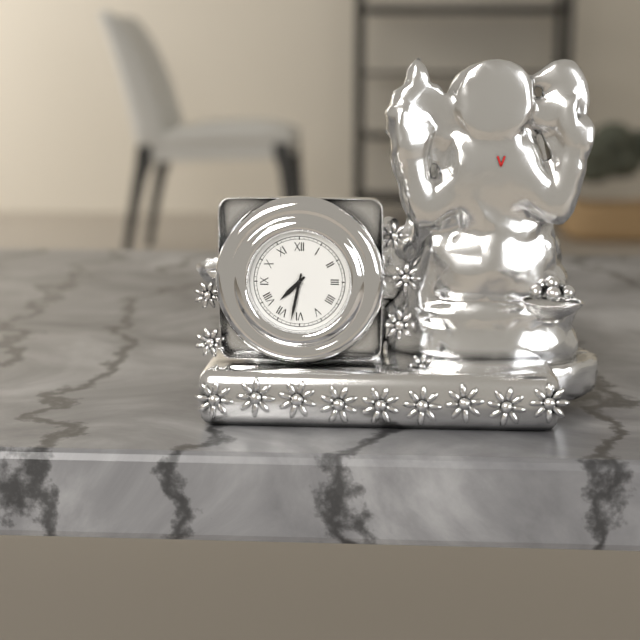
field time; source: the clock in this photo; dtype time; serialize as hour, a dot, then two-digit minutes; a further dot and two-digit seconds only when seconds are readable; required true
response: 7.32
